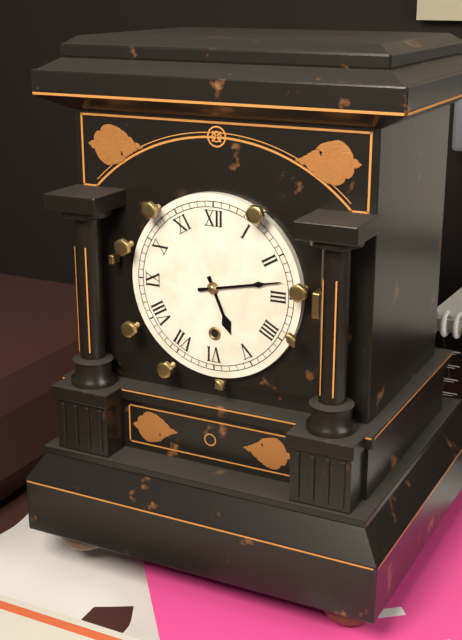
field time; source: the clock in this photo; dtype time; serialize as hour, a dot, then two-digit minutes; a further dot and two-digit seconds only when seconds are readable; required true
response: 5.13
